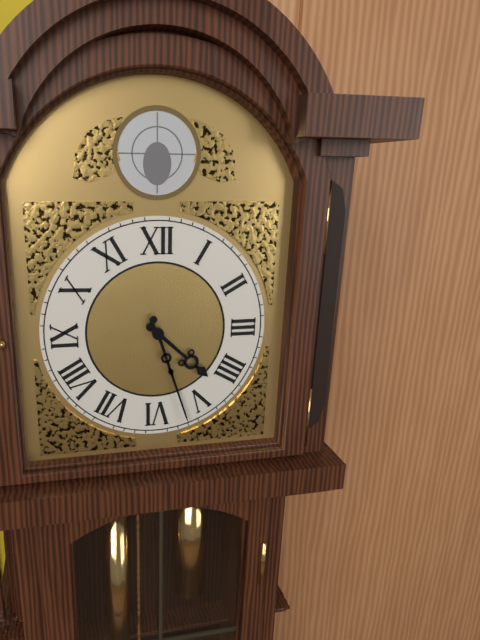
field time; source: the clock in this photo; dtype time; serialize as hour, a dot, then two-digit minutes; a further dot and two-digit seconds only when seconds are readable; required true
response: 4.27
